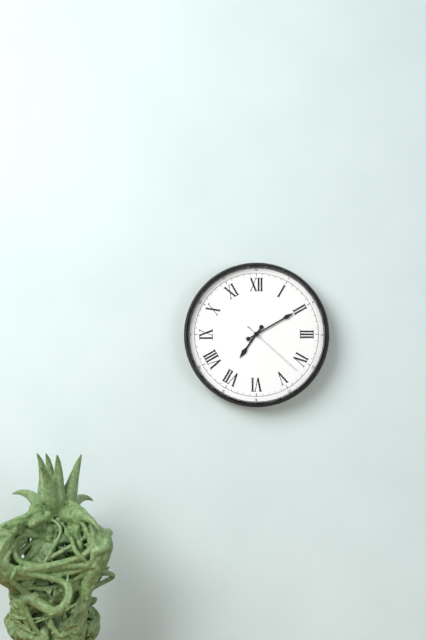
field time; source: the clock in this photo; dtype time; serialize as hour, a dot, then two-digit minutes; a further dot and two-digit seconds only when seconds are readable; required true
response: 7.10.22
